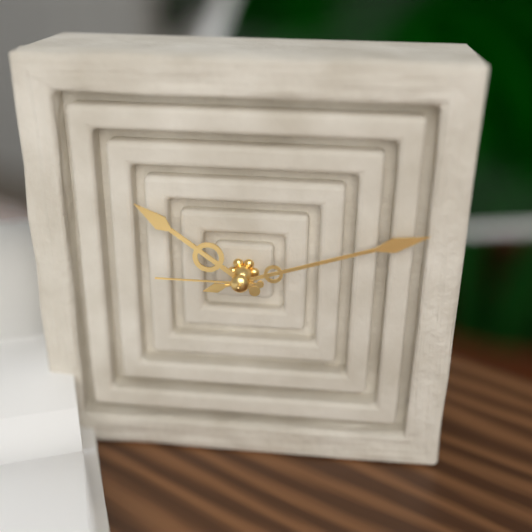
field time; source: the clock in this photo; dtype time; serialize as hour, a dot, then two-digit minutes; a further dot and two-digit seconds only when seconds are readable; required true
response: 10.12.45
